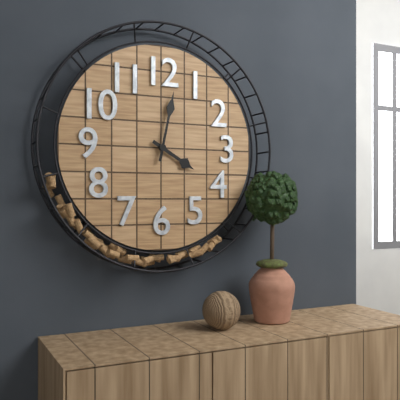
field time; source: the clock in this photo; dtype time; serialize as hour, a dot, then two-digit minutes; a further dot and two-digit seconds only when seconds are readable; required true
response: 4.02
